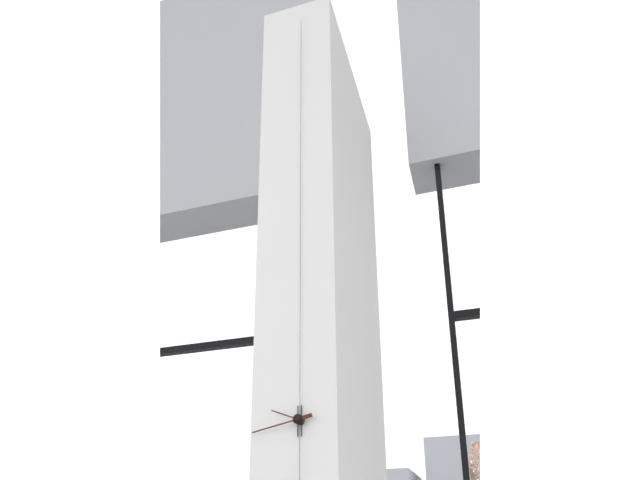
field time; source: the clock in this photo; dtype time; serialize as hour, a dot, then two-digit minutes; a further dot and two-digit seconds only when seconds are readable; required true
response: 9.43
